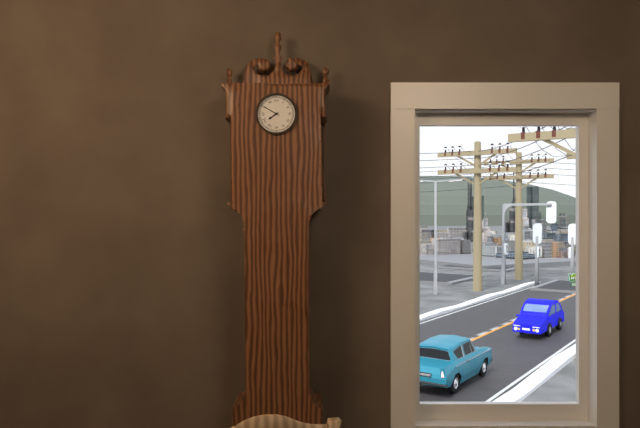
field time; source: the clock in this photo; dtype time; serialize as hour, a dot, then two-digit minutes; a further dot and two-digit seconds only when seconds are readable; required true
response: 7.50
